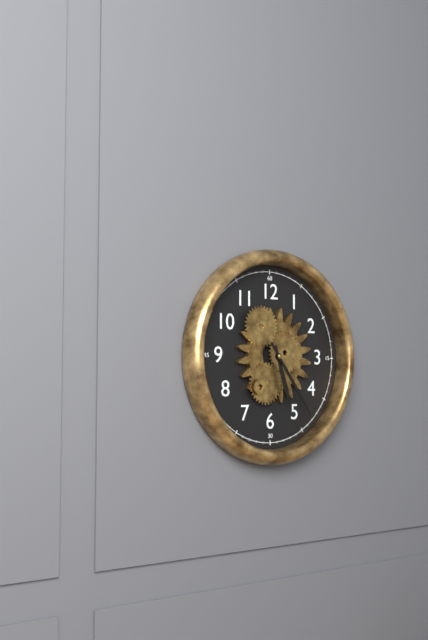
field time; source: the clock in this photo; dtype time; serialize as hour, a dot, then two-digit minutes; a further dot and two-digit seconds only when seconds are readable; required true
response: 5.24
